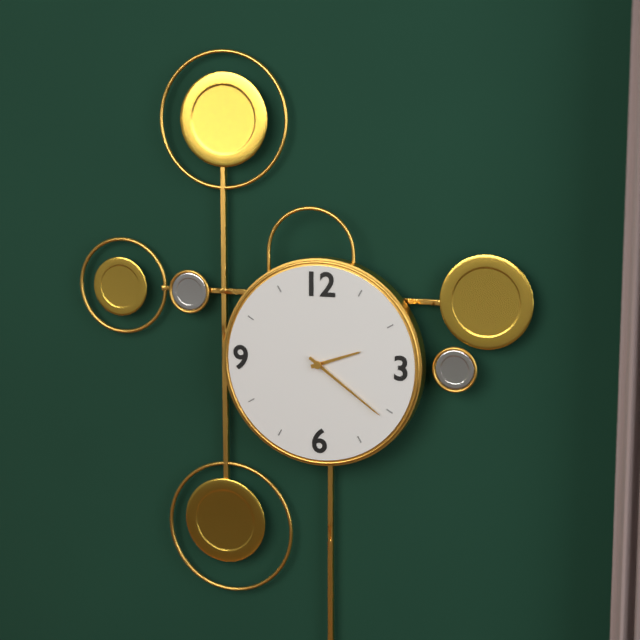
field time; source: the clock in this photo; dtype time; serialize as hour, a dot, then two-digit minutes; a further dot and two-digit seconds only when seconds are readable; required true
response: 2.21
